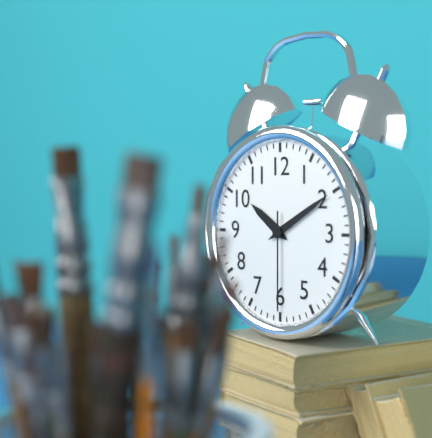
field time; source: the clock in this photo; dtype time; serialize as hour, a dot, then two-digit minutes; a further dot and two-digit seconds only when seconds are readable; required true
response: 10.10.30
